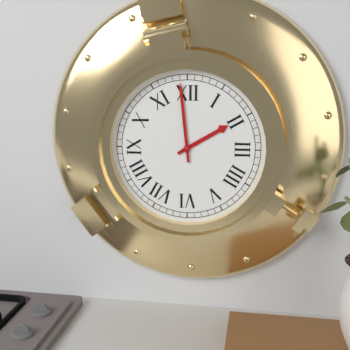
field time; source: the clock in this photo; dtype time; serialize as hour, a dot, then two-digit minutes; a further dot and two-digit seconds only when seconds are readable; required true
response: 1.59
